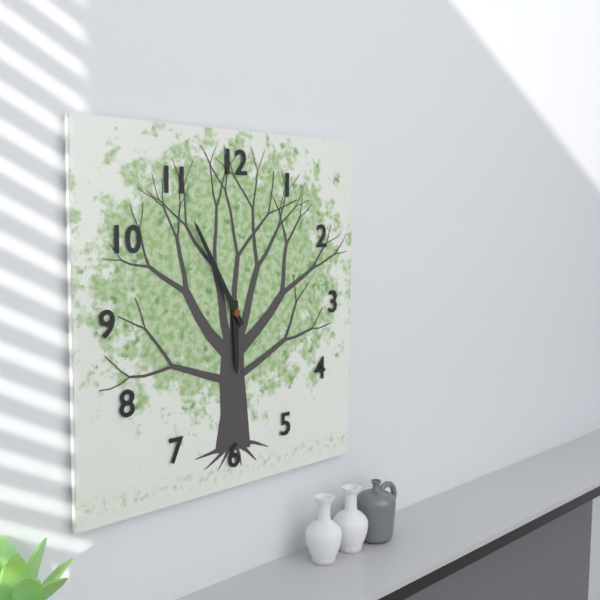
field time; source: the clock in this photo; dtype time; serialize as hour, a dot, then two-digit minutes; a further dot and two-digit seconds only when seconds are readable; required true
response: 5.55
